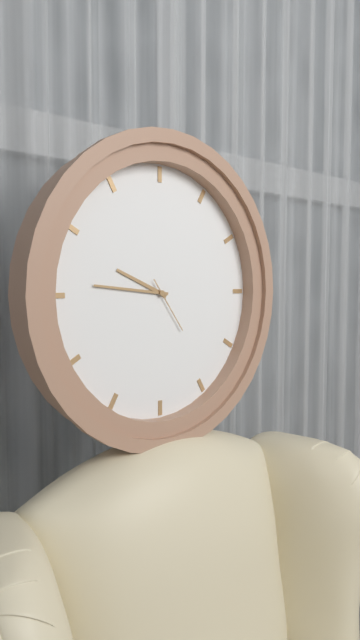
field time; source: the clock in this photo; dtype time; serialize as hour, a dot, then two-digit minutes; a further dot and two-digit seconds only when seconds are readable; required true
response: 9.46.24
